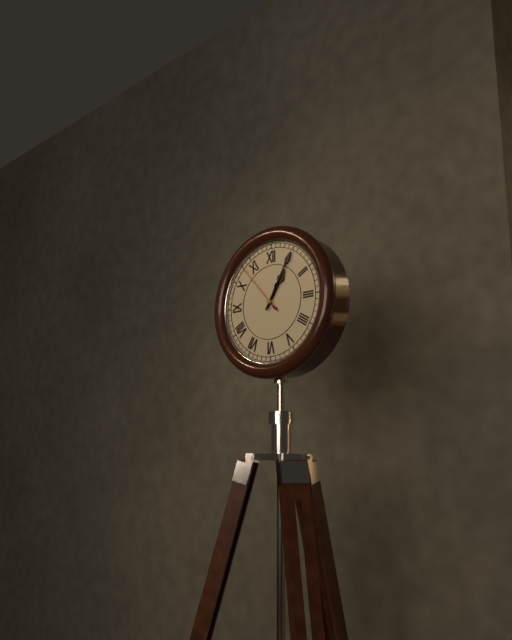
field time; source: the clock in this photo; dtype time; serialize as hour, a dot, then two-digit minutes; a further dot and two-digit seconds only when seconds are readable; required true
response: 1.05.53
